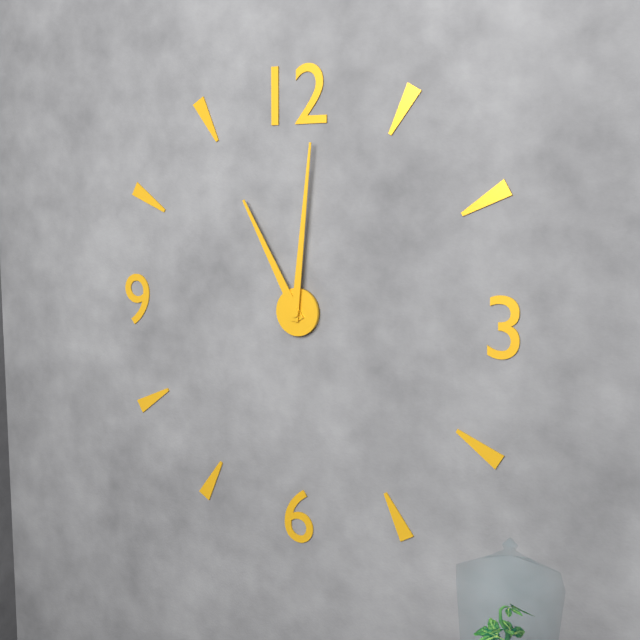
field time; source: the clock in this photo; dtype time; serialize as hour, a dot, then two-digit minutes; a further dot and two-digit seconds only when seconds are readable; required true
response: 11.01
